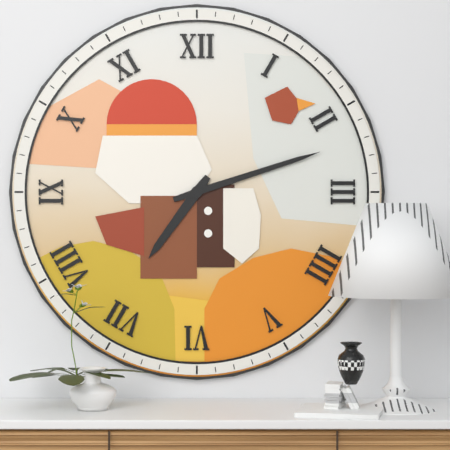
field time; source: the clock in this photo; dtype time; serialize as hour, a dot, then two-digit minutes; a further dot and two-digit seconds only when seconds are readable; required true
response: 7.12
